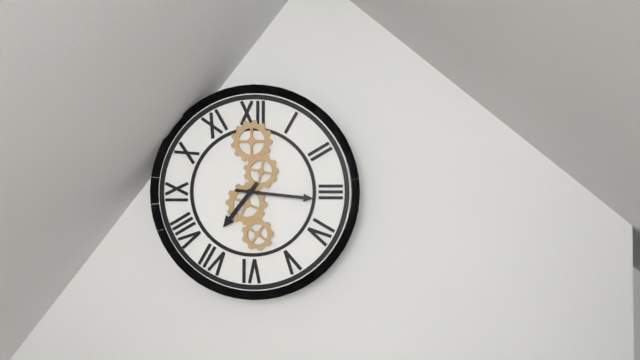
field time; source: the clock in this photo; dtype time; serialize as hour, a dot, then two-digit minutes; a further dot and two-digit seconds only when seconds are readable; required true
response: 7.16
